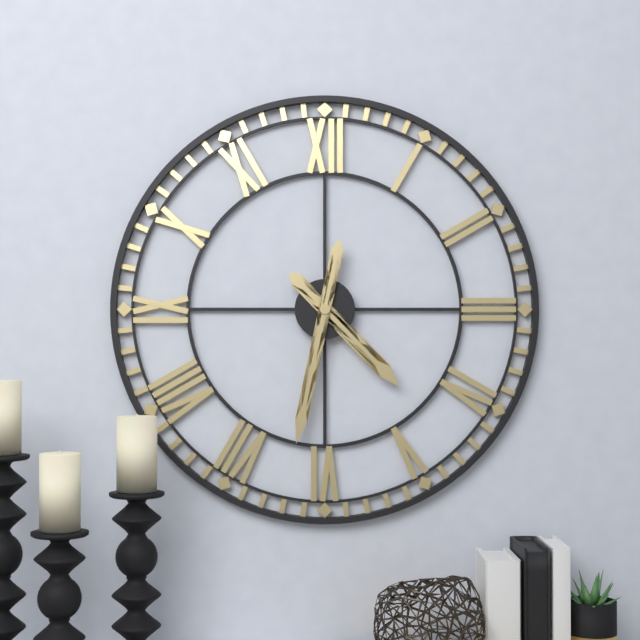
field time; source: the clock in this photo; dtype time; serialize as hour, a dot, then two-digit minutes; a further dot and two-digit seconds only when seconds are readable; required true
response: 4.32
